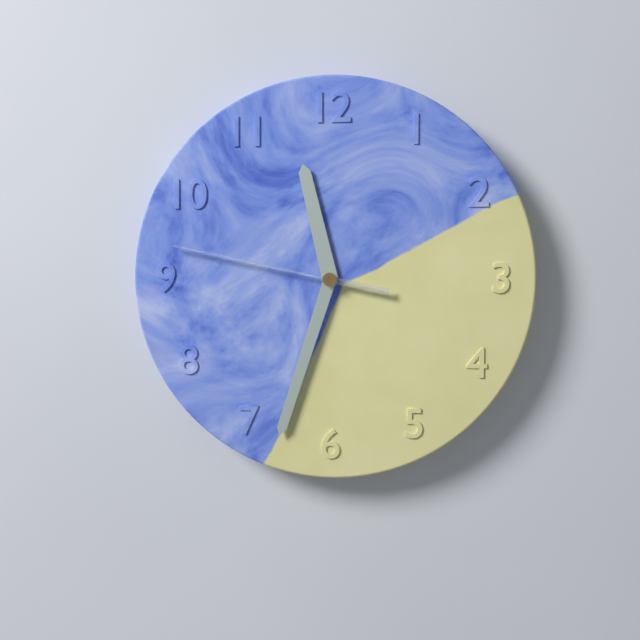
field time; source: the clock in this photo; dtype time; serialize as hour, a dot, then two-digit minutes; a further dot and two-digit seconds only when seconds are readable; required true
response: 11.33.47
